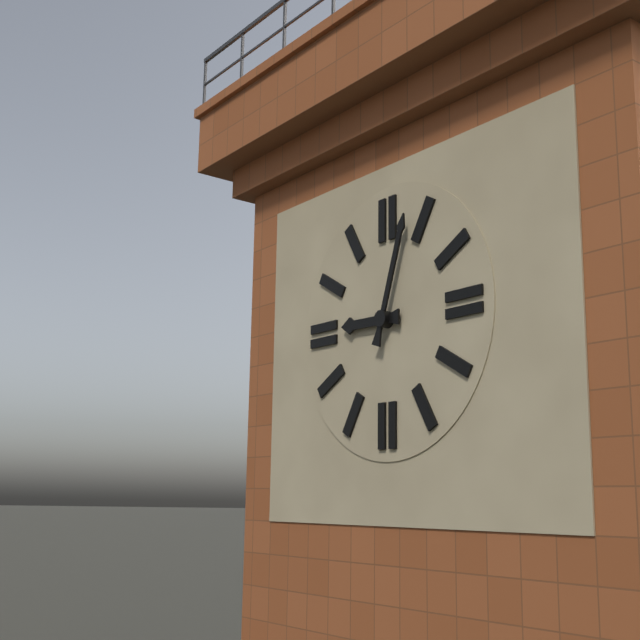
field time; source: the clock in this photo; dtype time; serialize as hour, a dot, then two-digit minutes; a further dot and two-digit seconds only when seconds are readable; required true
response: 9.03
